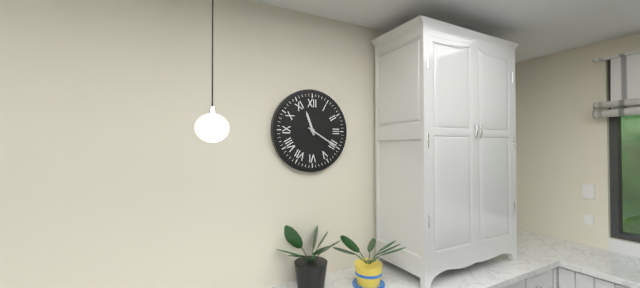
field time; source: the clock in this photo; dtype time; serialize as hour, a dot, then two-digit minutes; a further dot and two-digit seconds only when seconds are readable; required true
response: 11.20
